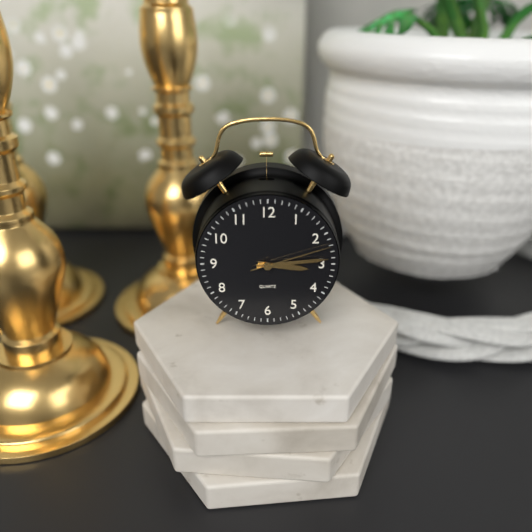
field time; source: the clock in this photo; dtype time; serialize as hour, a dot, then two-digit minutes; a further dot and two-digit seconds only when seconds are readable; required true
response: 3.14.12
